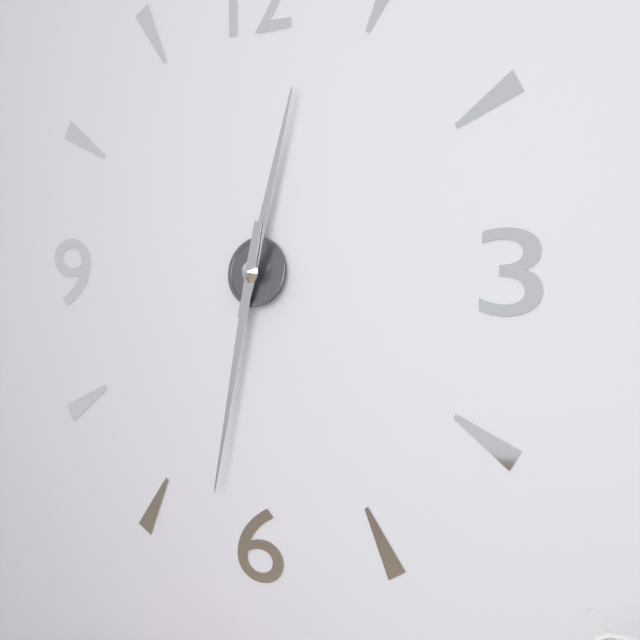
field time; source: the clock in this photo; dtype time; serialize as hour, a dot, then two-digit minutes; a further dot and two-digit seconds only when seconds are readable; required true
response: 12.32
